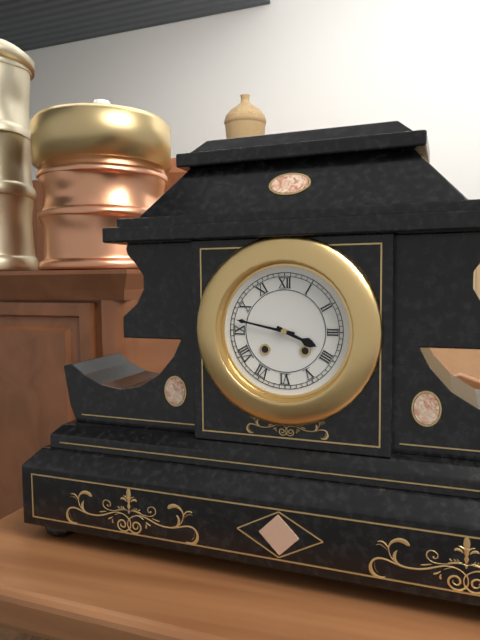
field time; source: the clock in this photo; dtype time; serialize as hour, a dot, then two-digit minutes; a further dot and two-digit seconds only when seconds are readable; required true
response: 3.47
